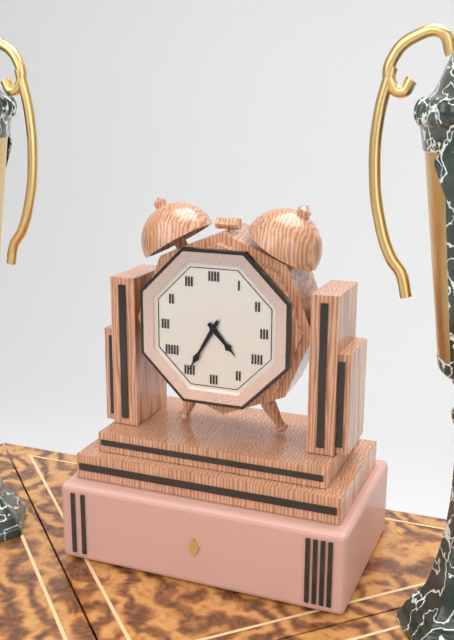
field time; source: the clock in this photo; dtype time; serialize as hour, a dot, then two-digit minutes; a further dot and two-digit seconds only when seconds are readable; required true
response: 4.35
